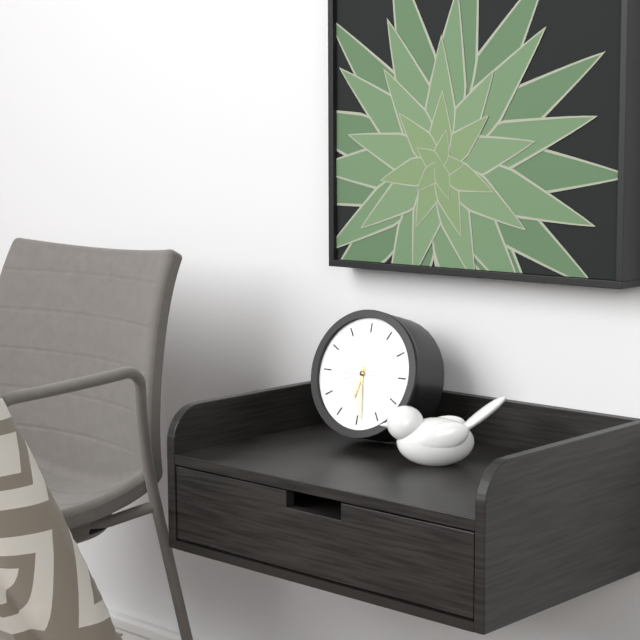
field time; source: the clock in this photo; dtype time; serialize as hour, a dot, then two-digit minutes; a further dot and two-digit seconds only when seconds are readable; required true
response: 6.29
